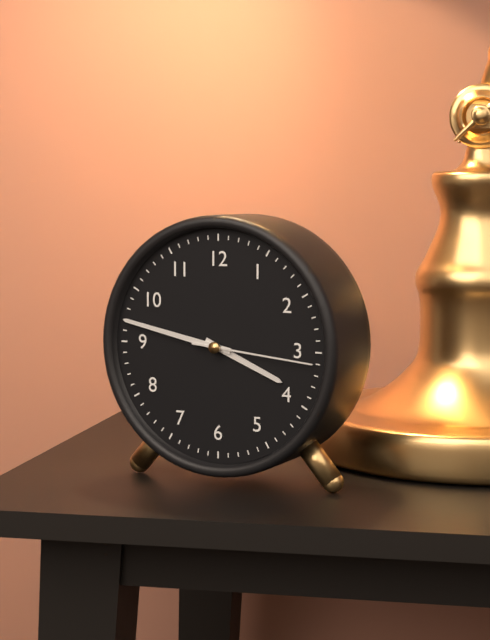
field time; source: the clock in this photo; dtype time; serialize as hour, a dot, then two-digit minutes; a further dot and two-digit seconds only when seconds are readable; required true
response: 3.47.16
